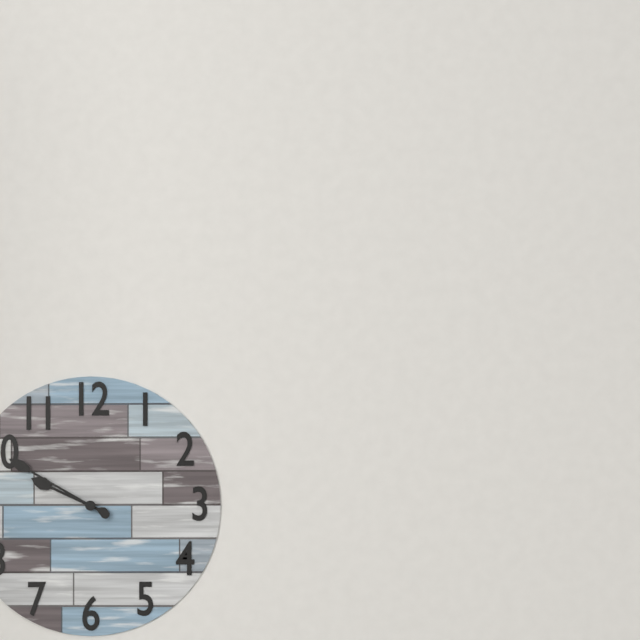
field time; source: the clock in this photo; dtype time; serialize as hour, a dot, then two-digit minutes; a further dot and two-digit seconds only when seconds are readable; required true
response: 9.50
